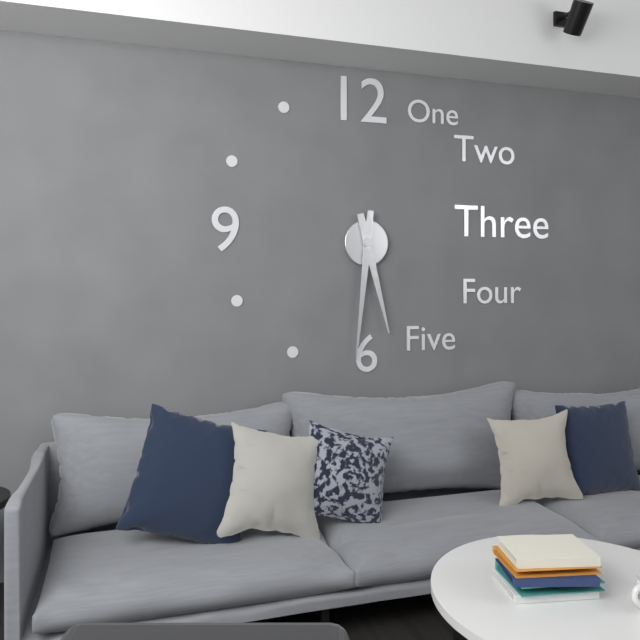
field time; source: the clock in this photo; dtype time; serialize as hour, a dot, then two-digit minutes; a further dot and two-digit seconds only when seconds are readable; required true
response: 5.31
